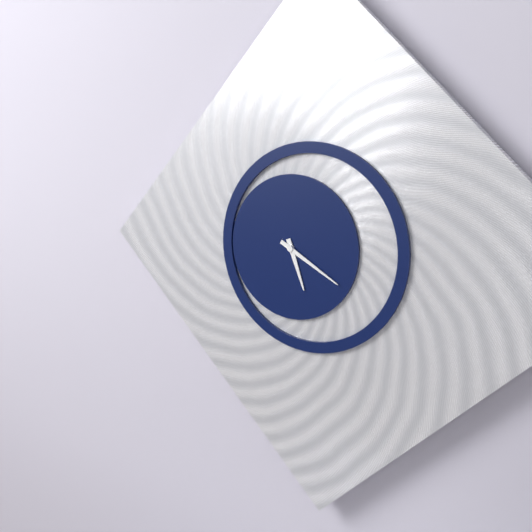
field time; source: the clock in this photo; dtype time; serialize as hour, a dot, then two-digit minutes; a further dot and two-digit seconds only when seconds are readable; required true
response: 5.20
